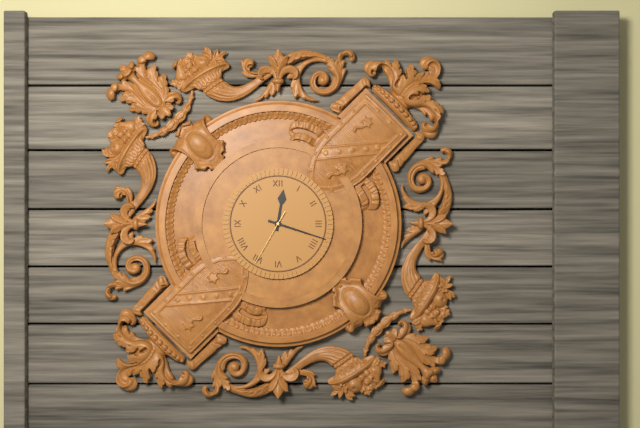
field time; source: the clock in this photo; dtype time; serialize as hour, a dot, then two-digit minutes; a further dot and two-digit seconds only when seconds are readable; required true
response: 12.18.35
